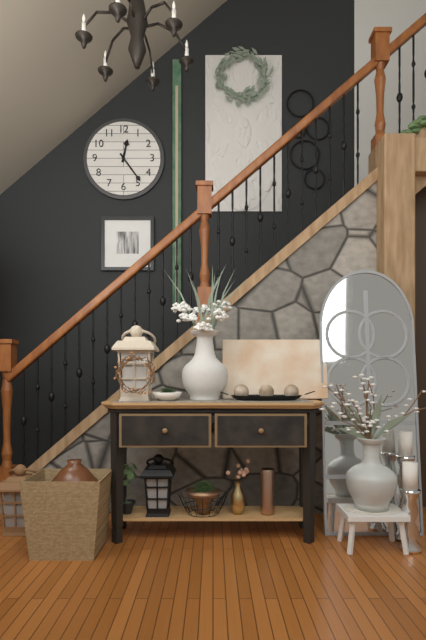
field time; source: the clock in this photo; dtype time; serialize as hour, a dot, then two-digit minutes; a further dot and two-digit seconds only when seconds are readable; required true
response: 12.24
